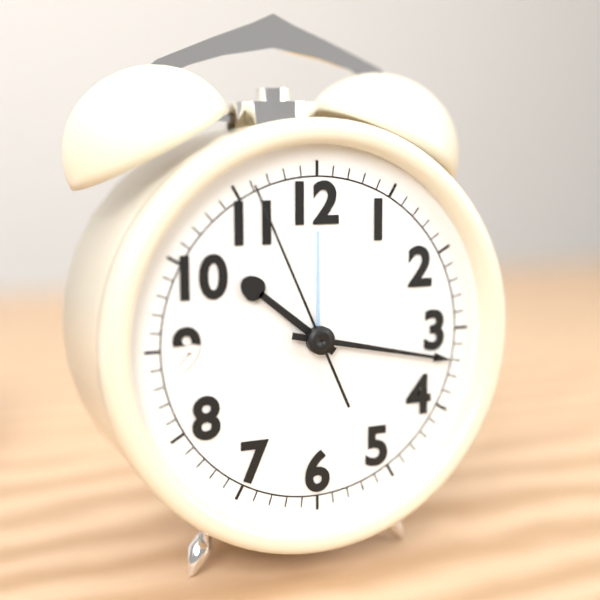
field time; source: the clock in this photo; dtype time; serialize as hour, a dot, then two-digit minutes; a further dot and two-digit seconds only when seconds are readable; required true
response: 10.17.56
